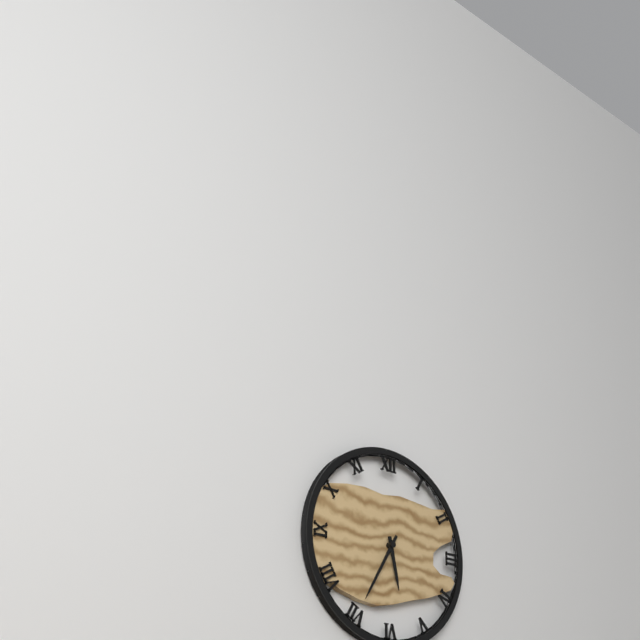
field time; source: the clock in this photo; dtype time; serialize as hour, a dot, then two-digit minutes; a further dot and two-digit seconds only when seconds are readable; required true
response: 5.35
